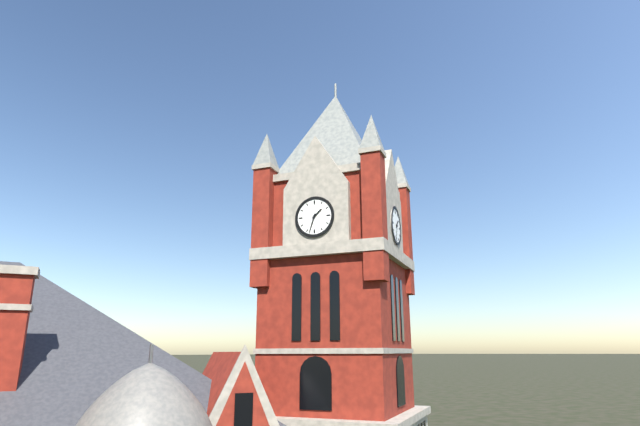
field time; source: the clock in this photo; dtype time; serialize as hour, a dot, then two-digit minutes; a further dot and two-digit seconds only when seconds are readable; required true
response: 1.33
